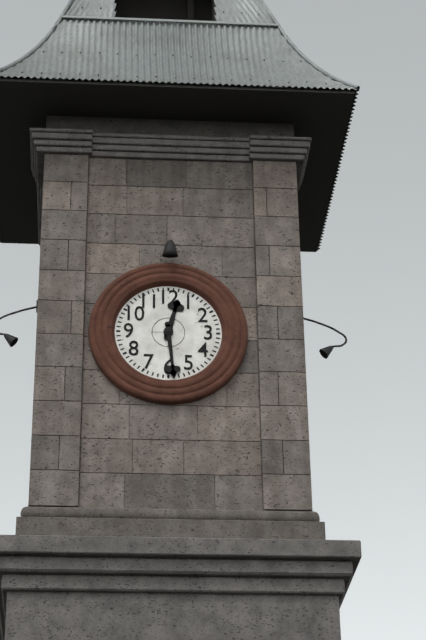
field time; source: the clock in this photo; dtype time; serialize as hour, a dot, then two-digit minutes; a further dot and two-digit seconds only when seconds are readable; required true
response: 12.29
